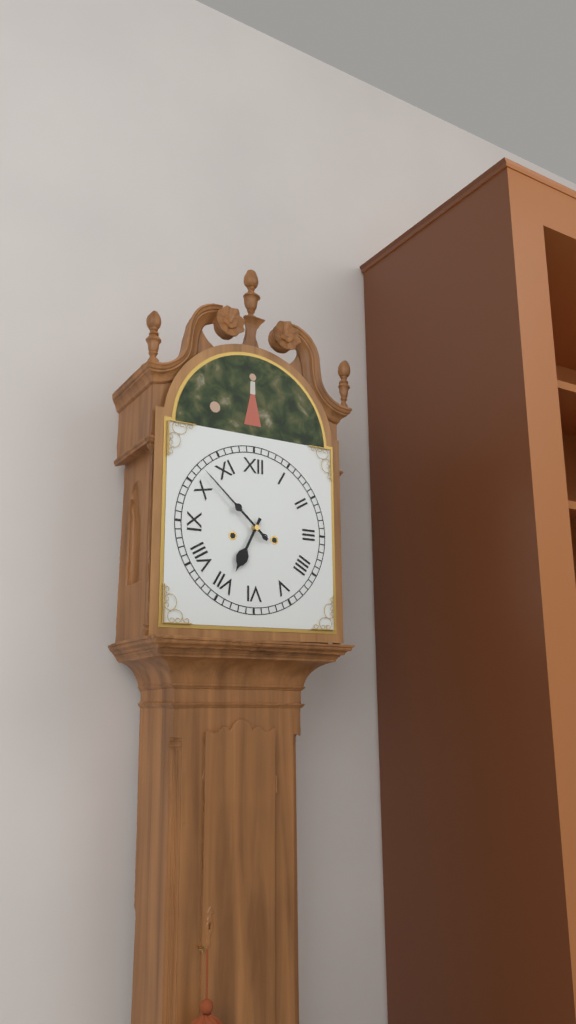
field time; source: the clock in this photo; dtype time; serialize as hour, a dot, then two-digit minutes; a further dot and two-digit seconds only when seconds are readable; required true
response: 6.52
